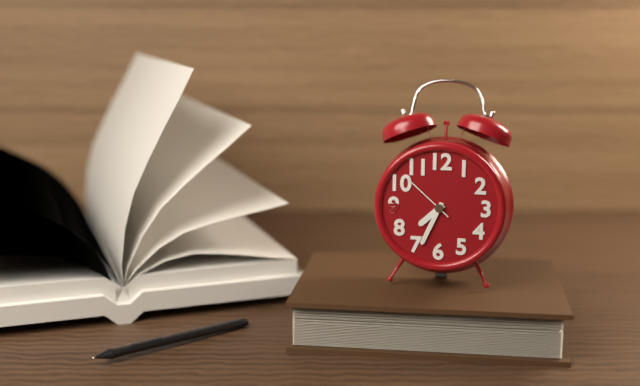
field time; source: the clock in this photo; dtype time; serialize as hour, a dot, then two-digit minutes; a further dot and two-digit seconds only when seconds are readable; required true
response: 7.34.52
